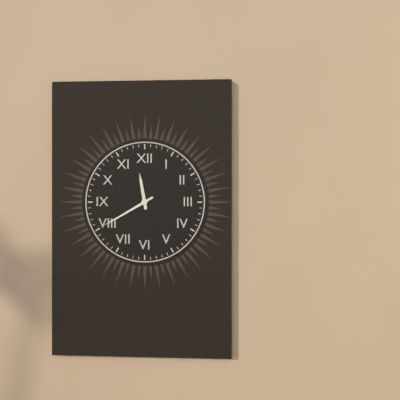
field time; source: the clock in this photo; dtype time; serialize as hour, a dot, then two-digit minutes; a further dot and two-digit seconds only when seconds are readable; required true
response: 11.40
